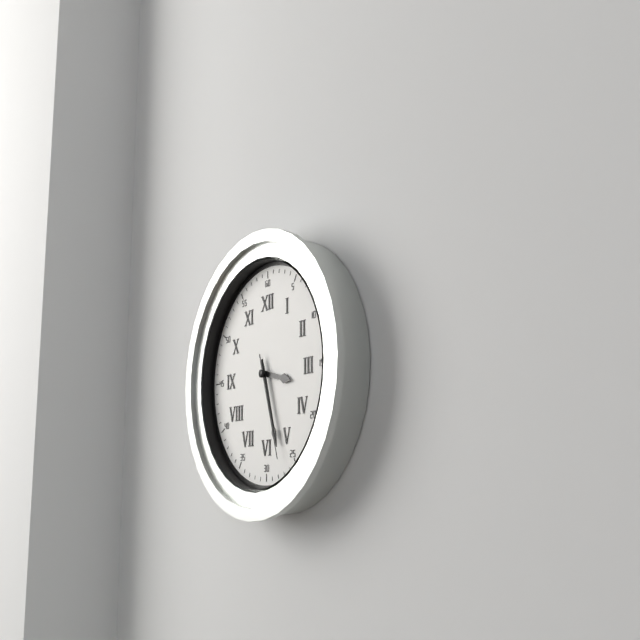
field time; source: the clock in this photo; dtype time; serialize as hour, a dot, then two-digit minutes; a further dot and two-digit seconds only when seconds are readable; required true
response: 3.27.27
